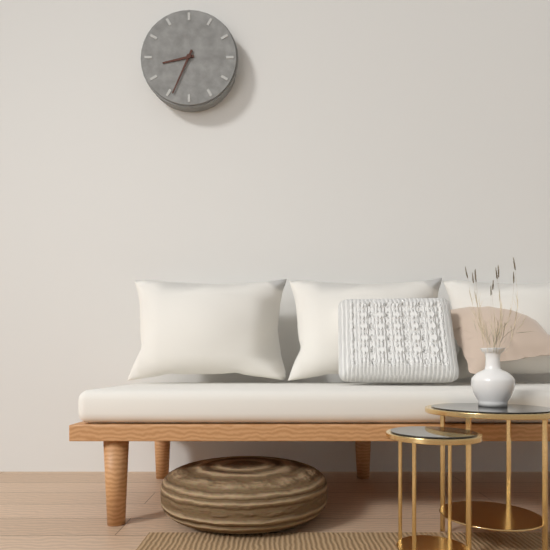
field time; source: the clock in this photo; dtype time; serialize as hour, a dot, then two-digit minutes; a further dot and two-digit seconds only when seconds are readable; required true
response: 8.34
